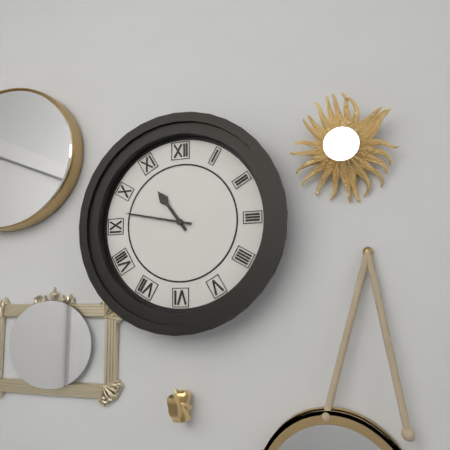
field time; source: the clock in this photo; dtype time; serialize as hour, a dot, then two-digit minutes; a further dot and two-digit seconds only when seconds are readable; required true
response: 10.47
